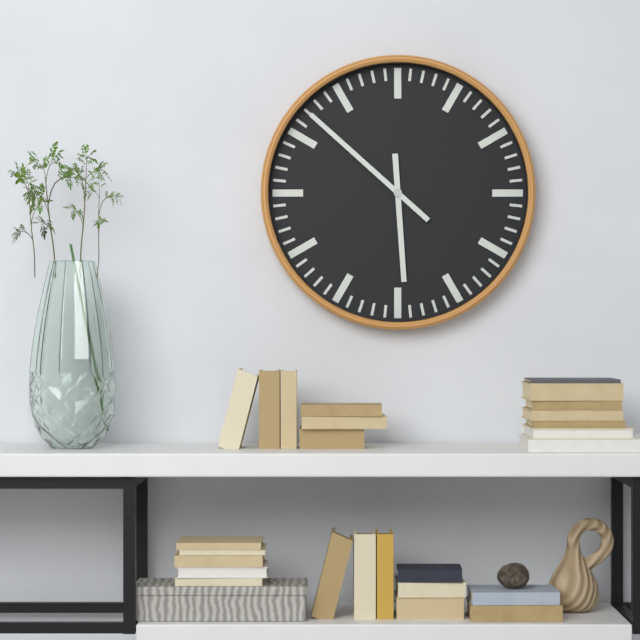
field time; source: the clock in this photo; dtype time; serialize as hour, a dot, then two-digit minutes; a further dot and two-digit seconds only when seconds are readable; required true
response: 5.52
